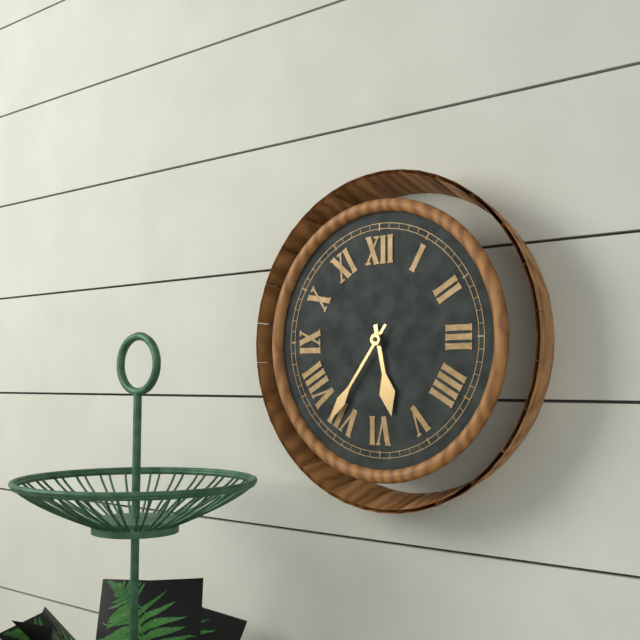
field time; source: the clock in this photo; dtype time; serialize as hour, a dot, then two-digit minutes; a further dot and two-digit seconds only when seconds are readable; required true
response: 5.36
